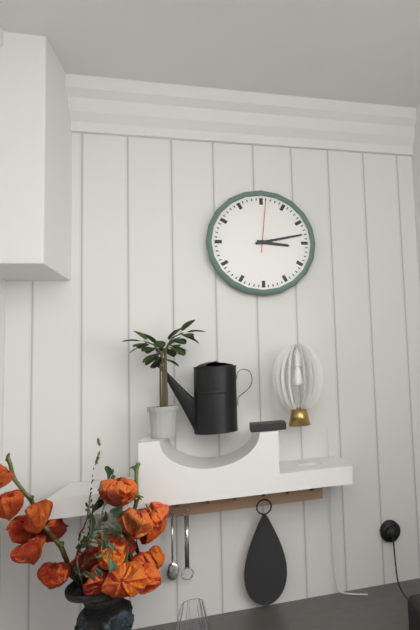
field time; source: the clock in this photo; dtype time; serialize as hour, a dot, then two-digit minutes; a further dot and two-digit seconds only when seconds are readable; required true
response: 3.13.01
